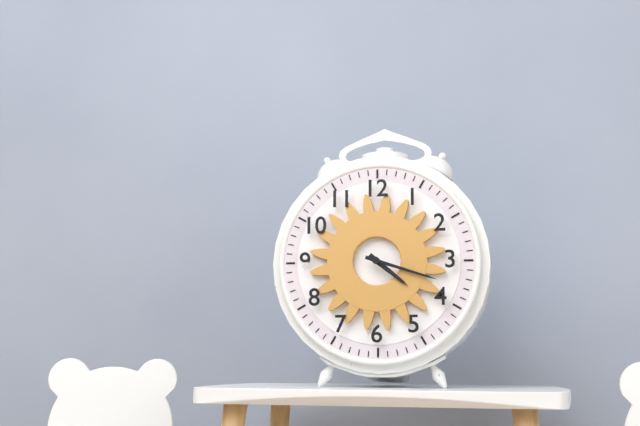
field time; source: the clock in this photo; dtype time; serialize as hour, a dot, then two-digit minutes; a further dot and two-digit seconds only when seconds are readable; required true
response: 4.18
